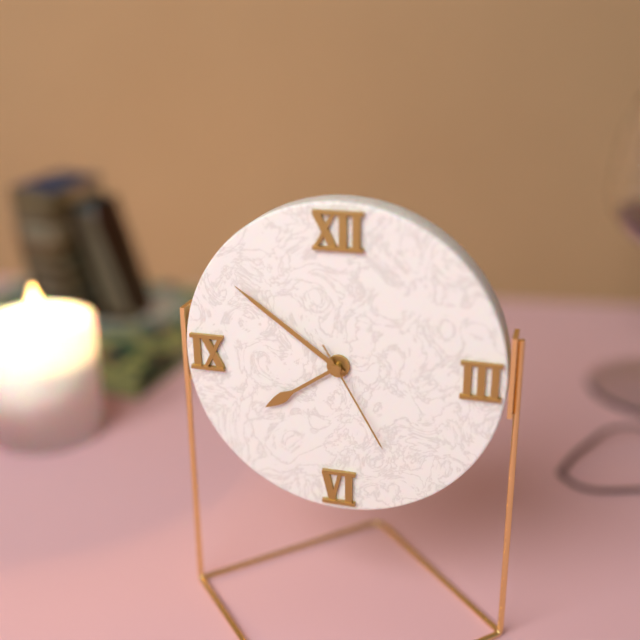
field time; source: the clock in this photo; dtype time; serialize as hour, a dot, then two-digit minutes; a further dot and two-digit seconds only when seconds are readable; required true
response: 7.51.25
